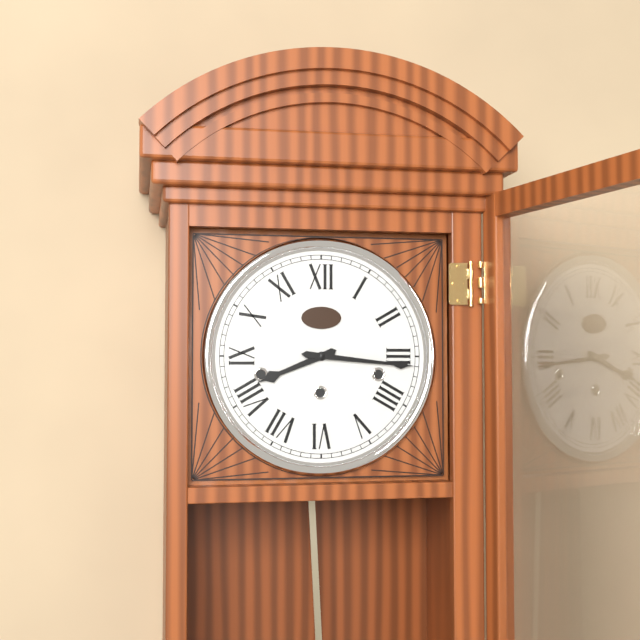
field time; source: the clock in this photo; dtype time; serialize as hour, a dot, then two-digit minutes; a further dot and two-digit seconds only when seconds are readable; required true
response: 8.16
